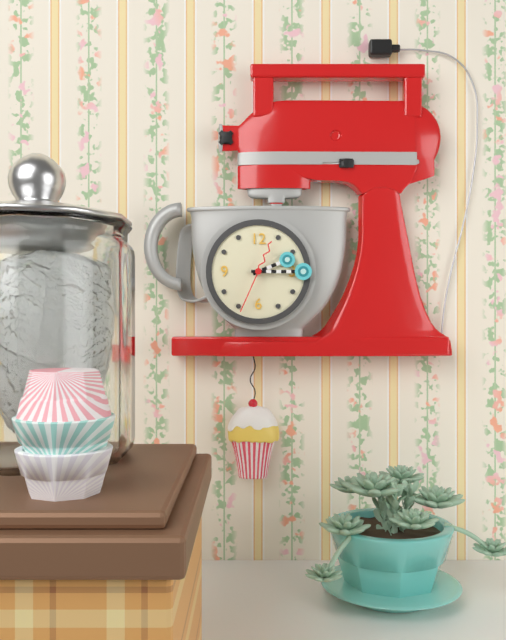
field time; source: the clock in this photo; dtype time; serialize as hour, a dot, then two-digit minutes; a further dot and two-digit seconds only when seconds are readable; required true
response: 2.15.34
